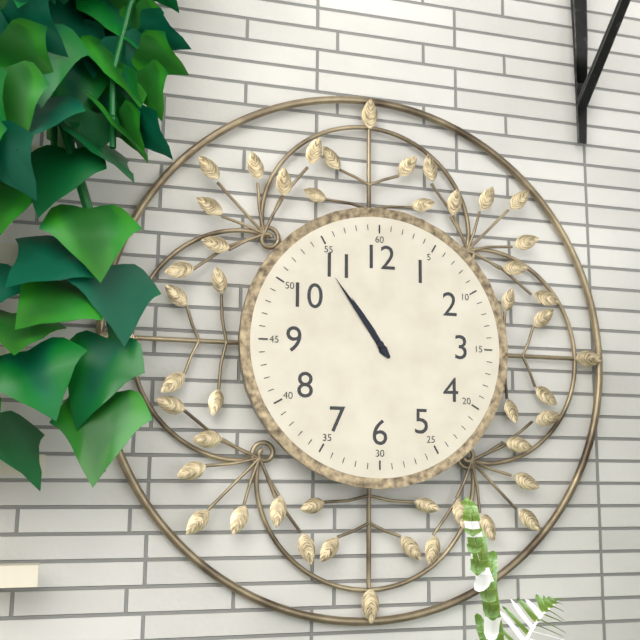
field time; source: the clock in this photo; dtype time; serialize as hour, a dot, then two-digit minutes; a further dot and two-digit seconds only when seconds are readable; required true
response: 10.54
